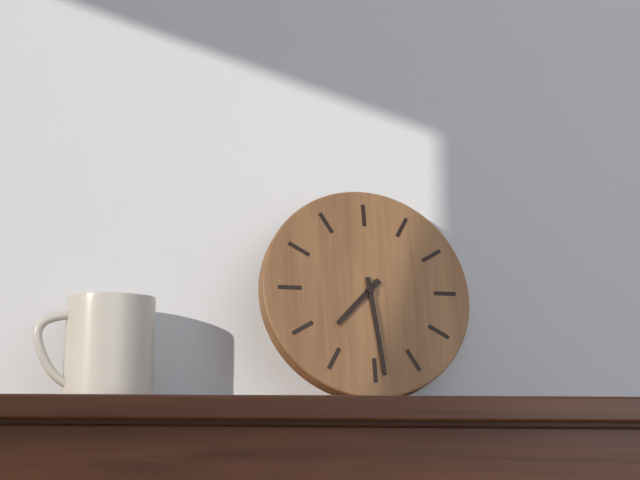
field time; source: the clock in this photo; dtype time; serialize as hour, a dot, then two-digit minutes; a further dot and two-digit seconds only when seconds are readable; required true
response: 7.29
